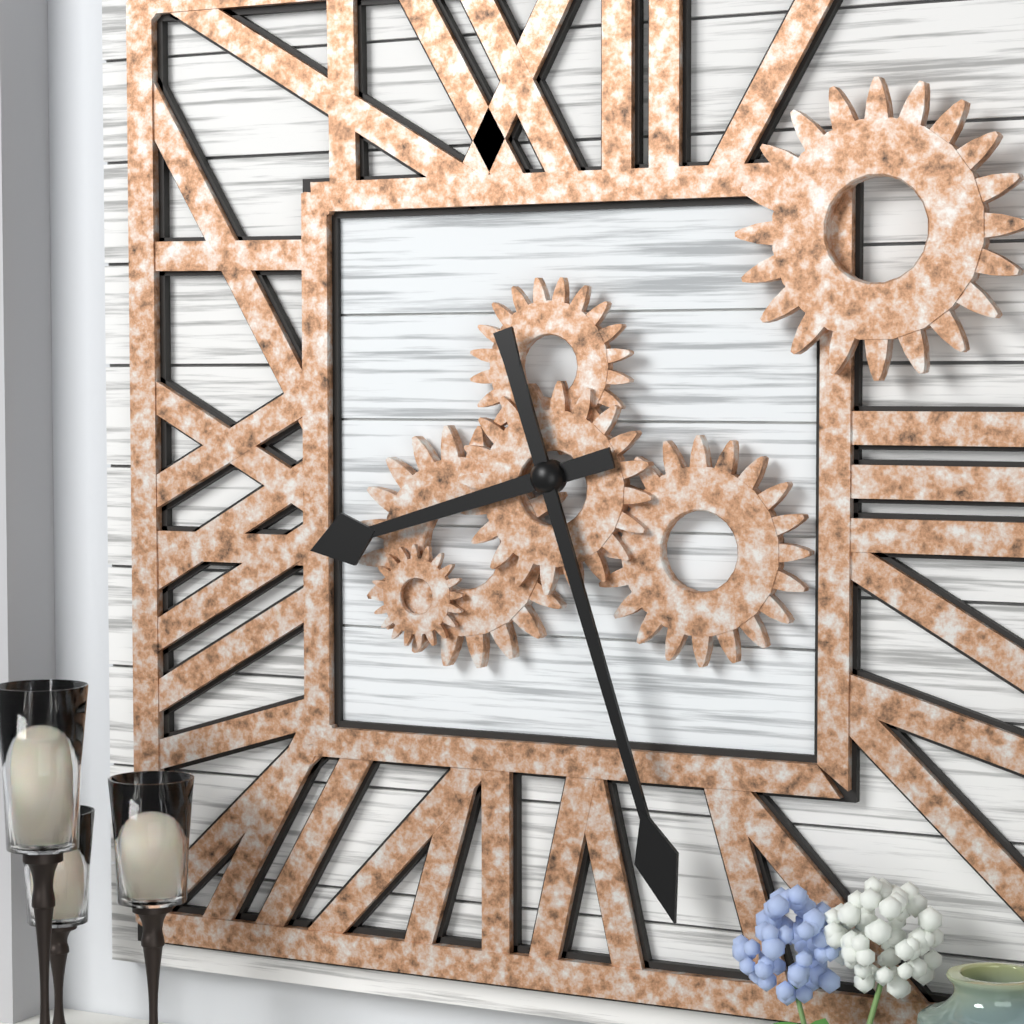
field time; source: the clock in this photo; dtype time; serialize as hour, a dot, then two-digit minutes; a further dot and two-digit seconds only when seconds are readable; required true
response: 8.27
